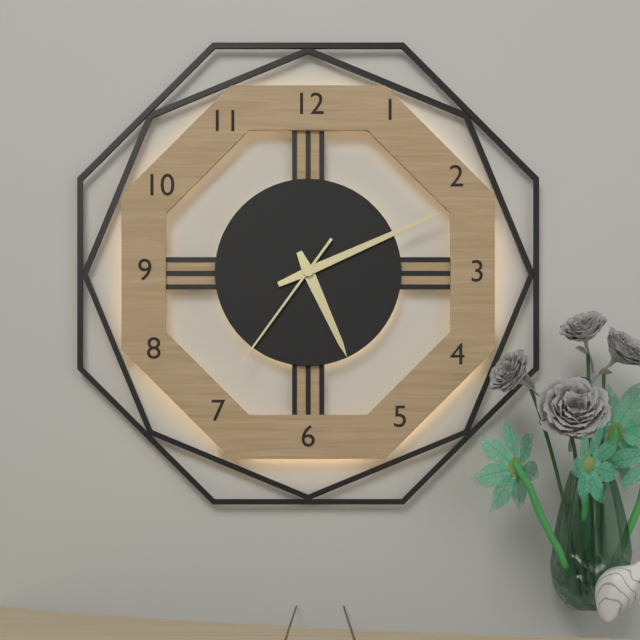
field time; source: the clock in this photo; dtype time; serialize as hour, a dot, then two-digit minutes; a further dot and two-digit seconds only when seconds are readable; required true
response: 5.11.36
